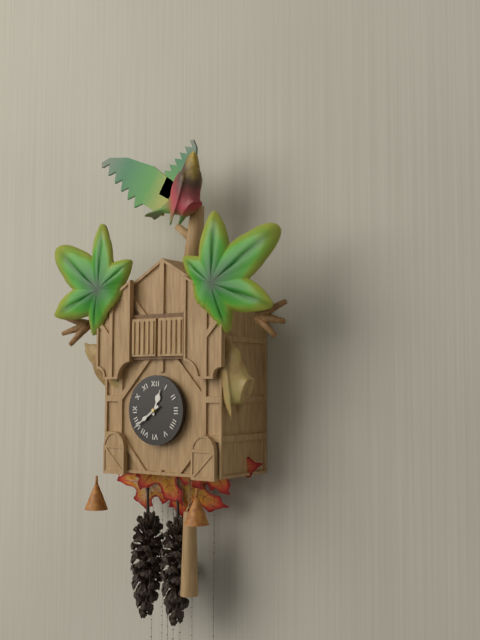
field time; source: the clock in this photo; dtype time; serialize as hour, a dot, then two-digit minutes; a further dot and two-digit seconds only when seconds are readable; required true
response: 12.39
